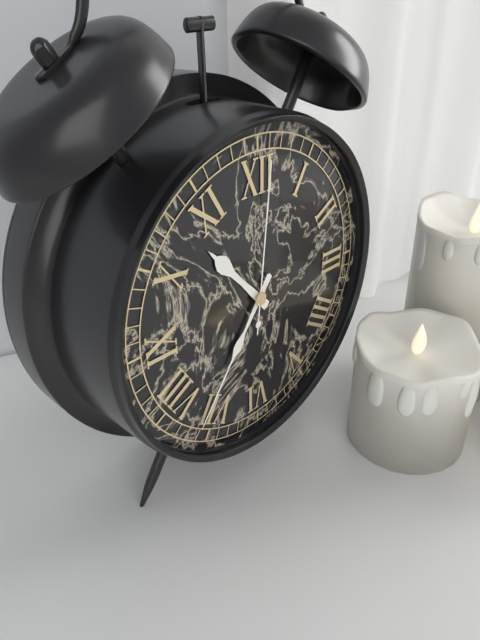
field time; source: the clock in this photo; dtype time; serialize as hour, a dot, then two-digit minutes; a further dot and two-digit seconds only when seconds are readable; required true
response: 10.36.01
